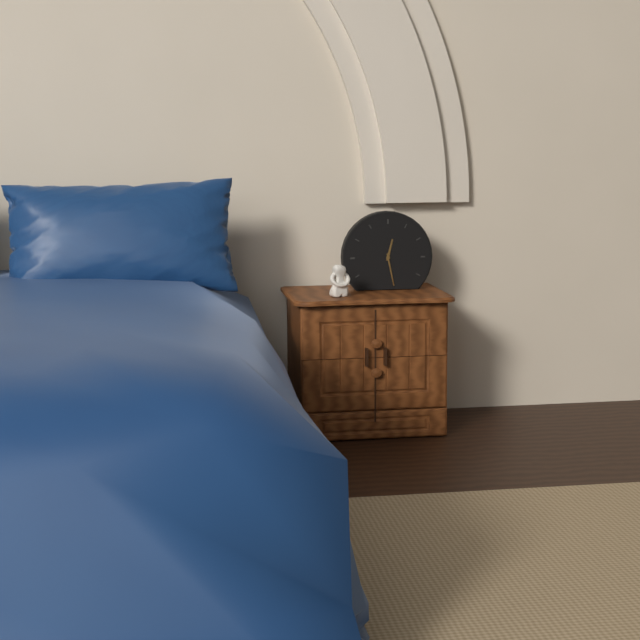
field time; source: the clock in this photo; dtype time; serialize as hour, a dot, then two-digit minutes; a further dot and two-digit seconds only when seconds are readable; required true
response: 12.28
